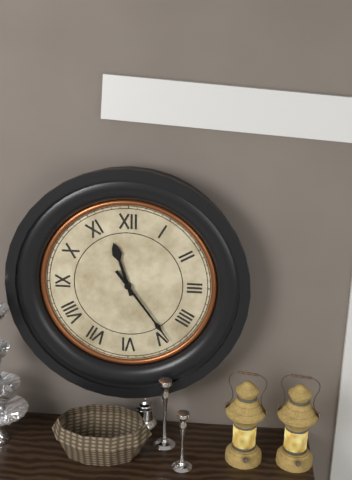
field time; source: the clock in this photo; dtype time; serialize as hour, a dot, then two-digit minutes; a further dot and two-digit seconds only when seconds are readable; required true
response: 11.24
